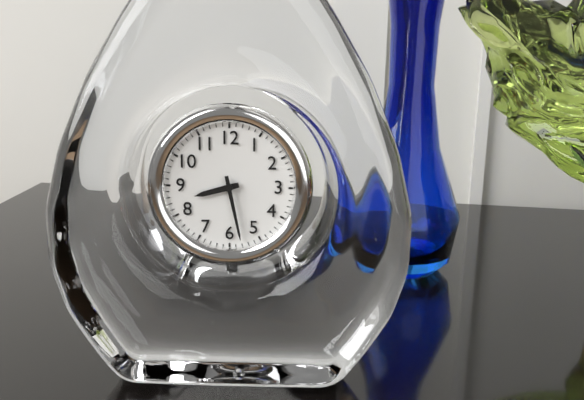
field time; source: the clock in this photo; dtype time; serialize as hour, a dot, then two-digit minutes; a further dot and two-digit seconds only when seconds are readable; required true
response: 8.28
